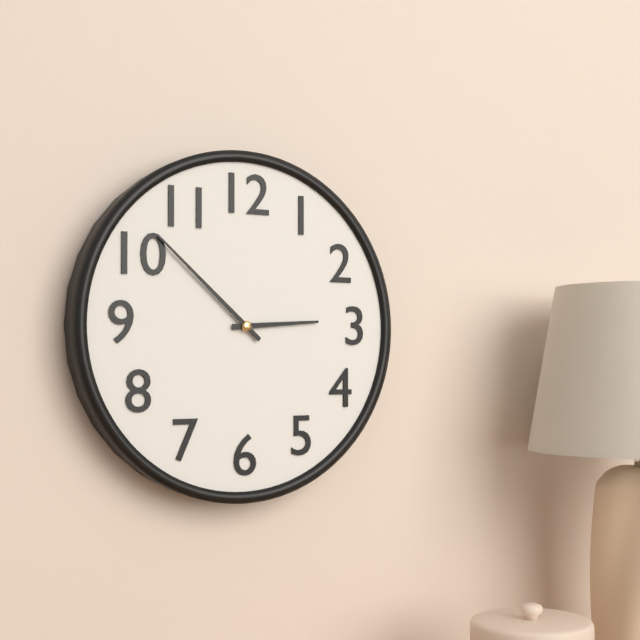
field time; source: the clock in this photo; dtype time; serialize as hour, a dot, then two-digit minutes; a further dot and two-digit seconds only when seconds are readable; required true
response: 2.52
